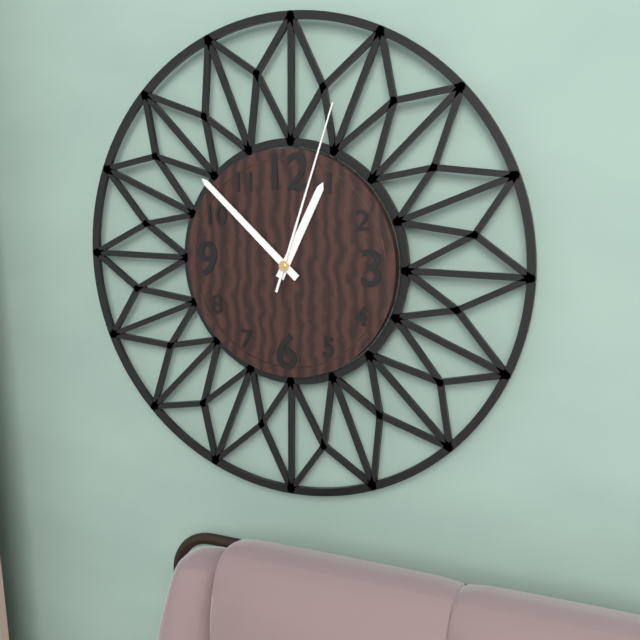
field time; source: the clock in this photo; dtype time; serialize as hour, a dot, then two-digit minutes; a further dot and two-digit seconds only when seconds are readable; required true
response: 12.52.03
